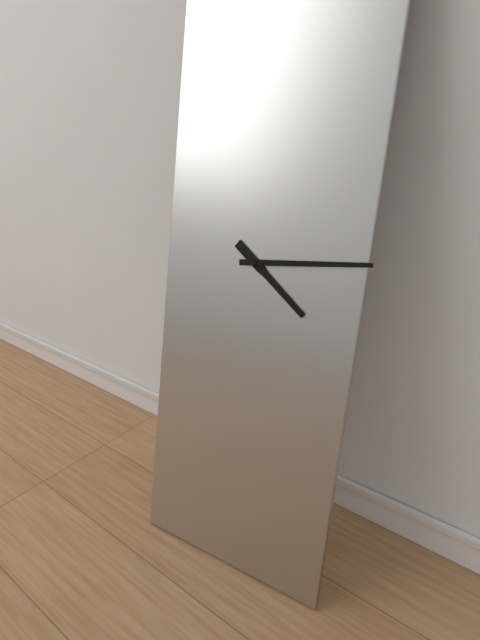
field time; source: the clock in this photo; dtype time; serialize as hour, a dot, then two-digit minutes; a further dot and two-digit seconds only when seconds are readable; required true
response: 4.14
